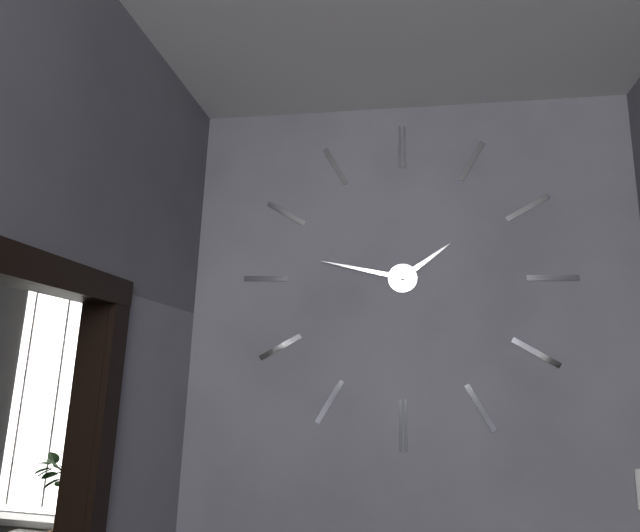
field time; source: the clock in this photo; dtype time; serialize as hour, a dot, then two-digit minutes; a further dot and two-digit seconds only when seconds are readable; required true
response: 1.47
